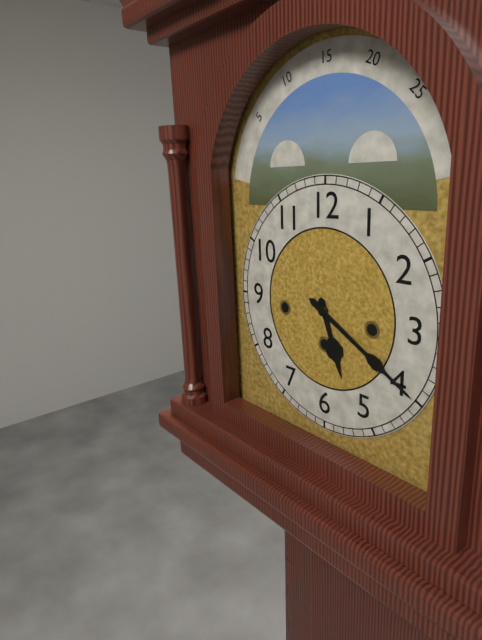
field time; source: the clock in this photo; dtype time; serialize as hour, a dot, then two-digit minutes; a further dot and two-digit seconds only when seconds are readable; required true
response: 5.20
